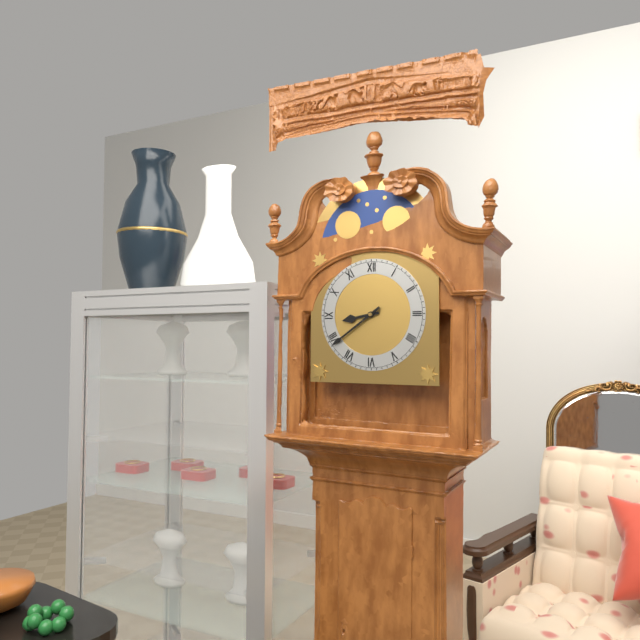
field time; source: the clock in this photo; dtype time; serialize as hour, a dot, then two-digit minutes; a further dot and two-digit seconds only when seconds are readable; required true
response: 8.39
